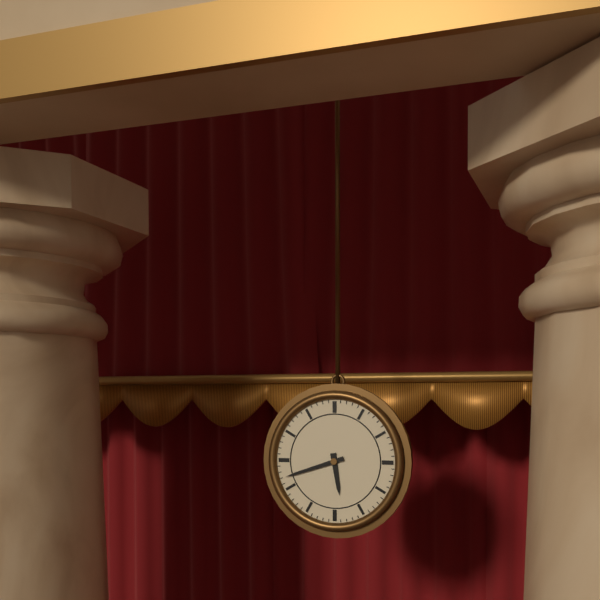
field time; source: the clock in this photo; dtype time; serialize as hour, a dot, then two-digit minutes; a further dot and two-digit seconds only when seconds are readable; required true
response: 5.42
